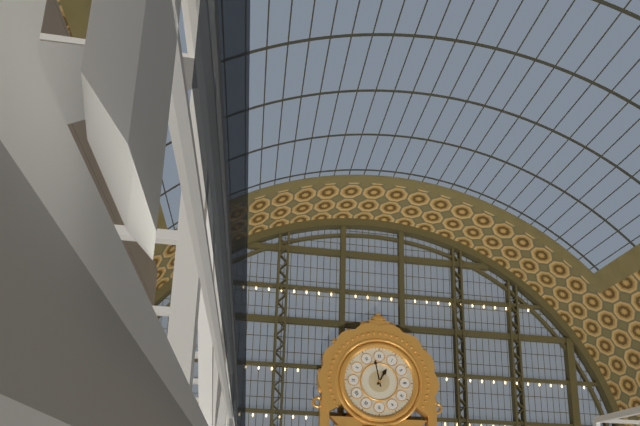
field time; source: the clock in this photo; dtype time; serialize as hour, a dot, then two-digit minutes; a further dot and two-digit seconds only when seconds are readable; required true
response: 12.58
